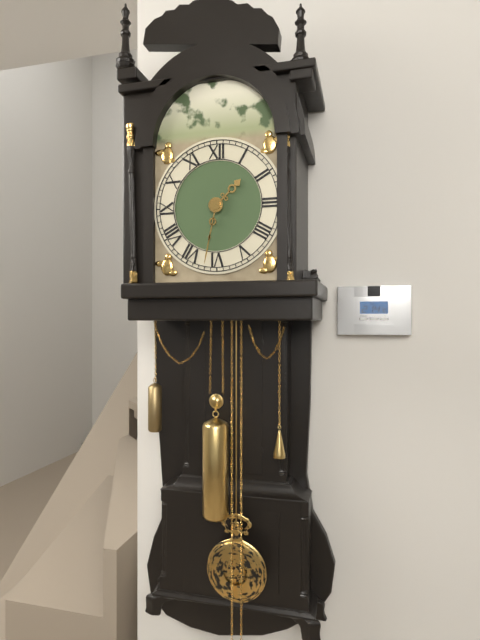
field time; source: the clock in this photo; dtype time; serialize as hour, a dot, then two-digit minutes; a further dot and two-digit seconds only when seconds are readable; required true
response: 1.32
